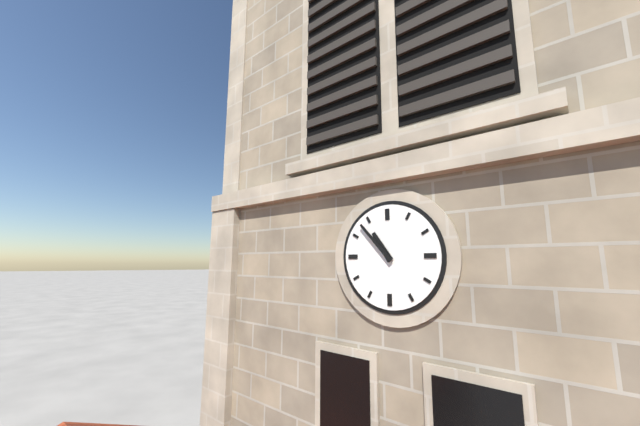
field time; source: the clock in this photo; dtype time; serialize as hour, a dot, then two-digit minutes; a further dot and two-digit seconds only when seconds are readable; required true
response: 10.53
